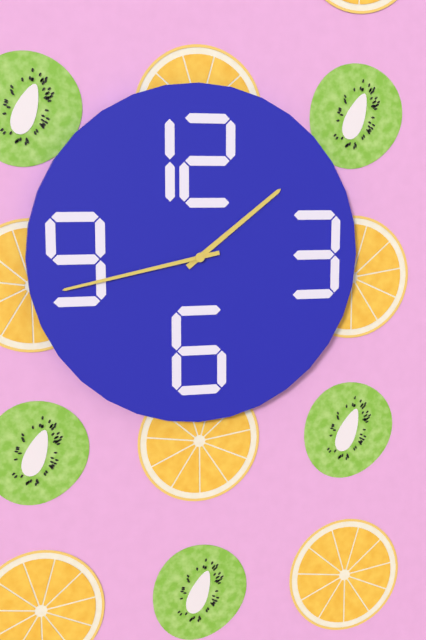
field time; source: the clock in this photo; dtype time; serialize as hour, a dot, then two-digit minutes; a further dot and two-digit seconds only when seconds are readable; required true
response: 1.43
